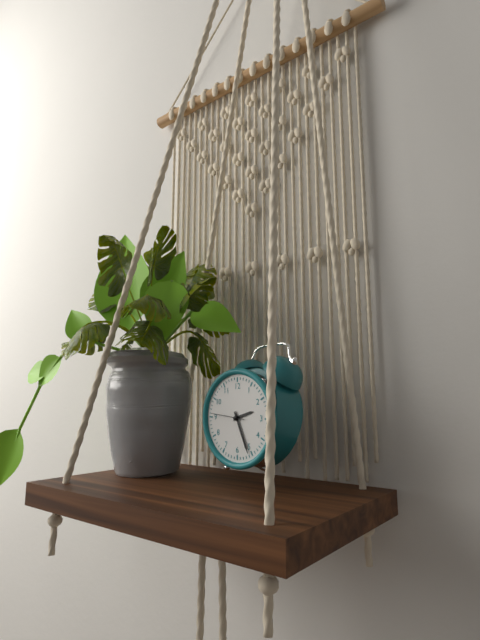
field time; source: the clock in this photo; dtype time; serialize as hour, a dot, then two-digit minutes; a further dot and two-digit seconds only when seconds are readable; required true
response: 2.26
